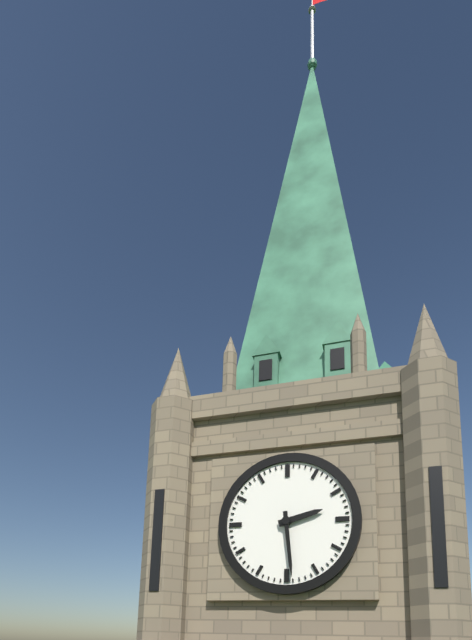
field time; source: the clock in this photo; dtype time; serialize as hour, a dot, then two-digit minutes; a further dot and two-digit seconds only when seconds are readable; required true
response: 2.29
